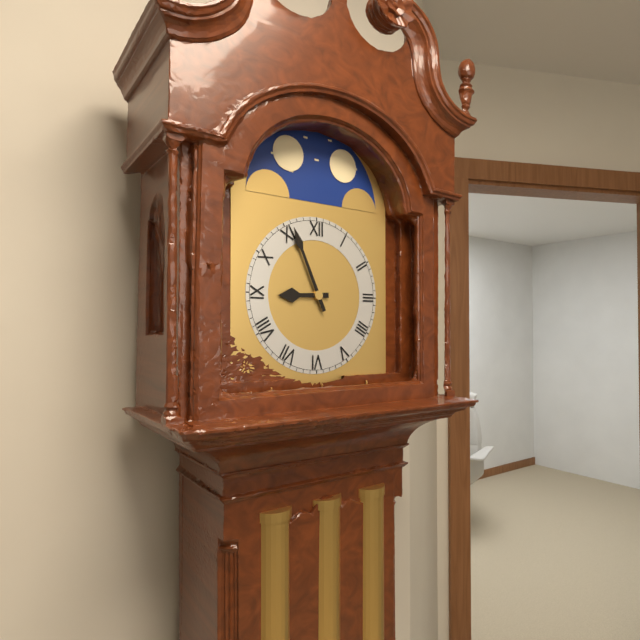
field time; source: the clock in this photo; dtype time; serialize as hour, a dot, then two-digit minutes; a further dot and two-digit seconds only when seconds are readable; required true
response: 8.56
